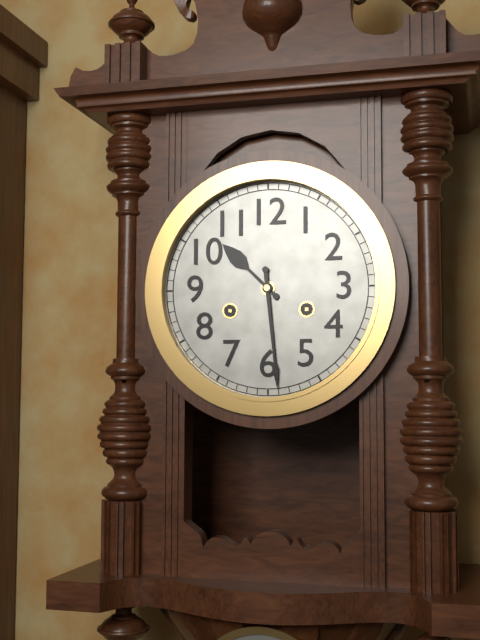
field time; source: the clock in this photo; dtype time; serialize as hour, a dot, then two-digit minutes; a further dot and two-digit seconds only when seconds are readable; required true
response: 10.29
